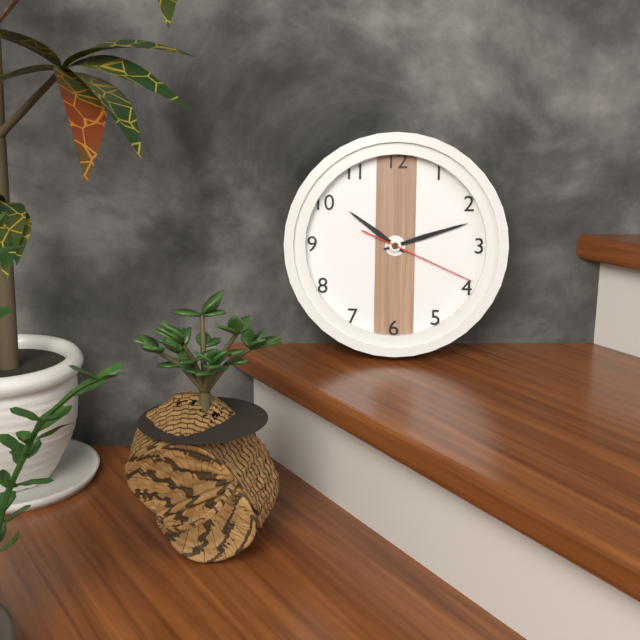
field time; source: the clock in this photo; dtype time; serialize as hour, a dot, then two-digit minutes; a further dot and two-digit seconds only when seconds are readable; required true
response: 10.12.19
